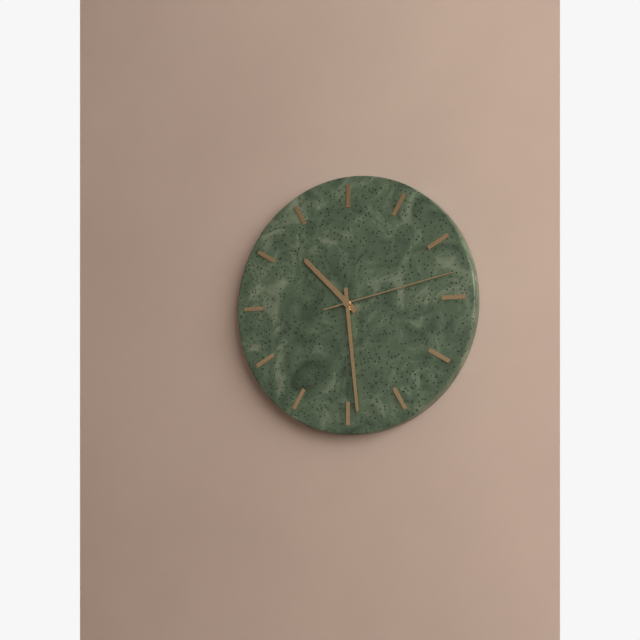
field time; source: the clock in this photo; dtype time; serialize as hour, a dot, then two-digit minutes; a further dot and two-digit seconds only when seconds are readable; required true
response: 10.29.13
